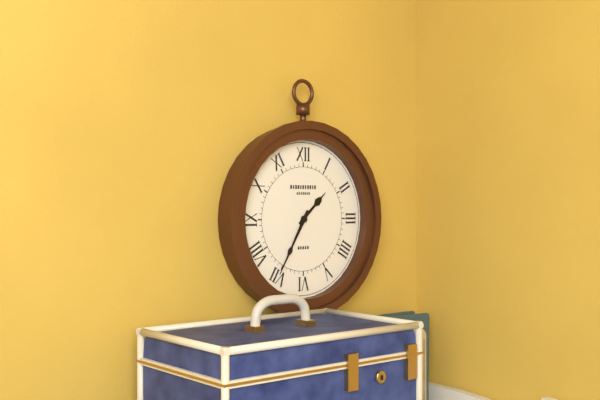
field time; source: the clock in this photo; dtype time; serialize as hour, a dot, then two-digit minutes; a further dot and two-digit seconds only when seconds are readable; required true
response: 1.35
